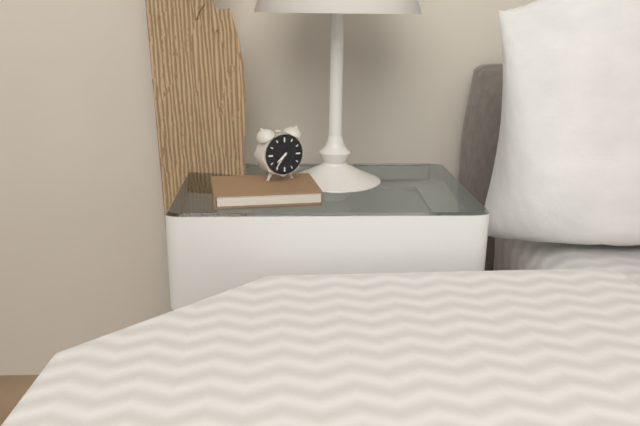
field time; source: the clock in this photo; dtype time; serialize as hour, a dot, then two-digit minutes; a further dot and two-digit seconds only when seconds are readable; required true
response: 7.36
